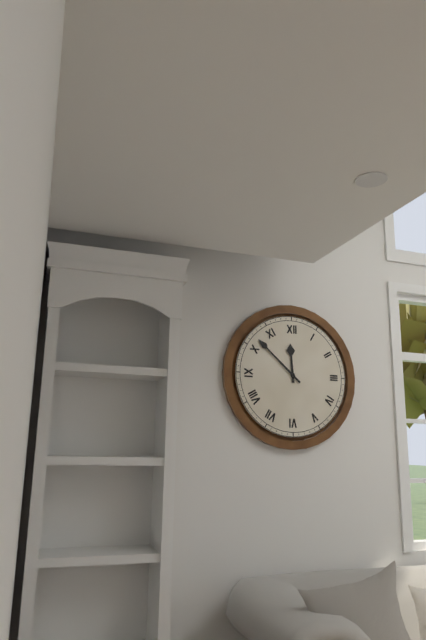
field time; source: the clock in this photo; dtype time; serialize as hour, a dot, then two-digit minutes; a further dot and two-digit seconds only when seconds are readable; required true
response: 11.52
